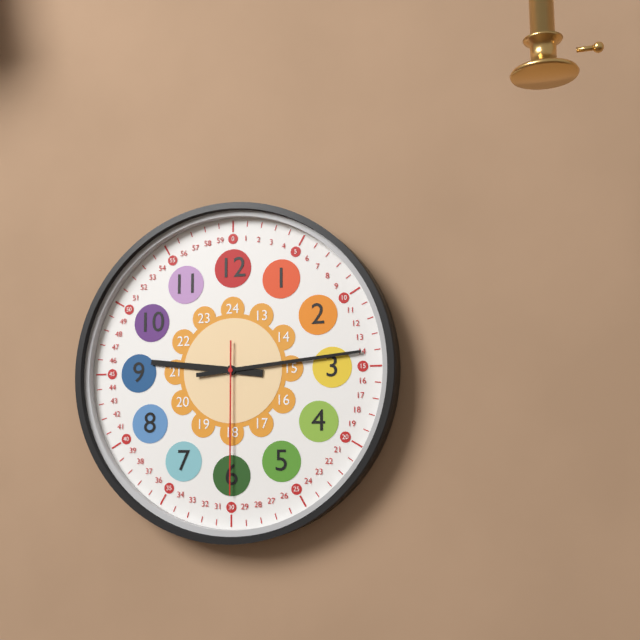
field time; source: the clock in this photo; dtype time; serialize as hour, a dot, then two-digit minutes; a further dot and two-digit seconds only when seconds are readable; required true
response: 9.14.30
